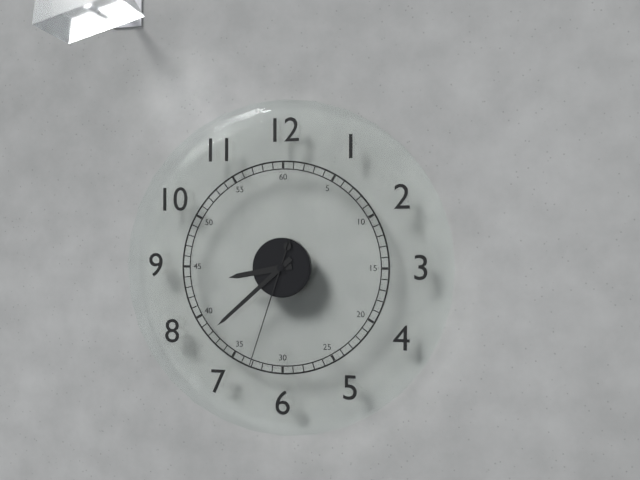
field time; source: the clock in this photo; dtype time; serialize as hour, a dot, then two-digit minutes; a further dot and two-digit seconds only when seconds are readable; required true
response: 8.38.33
